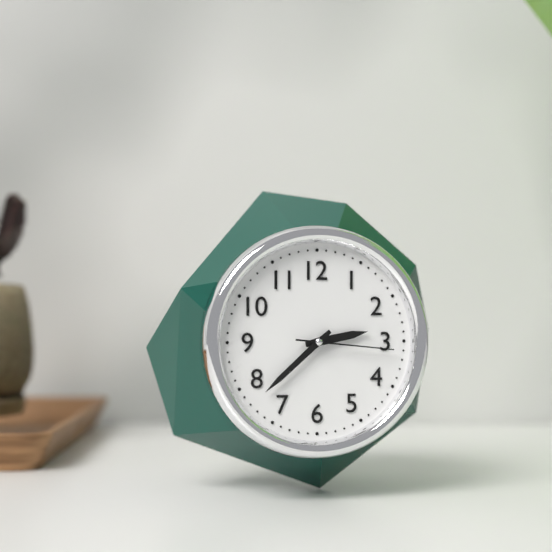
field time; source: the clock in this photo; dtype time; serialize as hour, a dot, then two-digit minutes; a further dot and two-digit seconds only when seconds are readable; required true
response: 2.38.16
